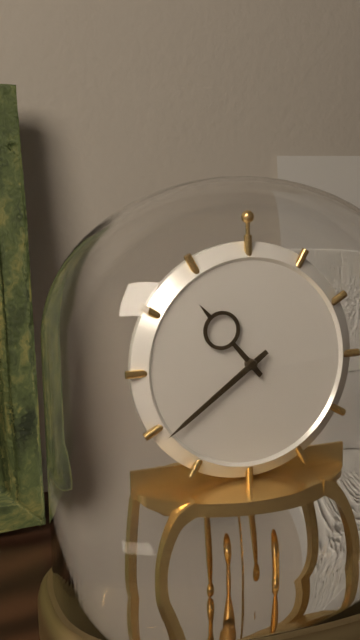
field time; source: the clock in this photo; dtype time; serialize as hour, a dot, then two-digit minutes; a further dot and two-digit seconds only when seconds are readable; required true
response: 10.39
